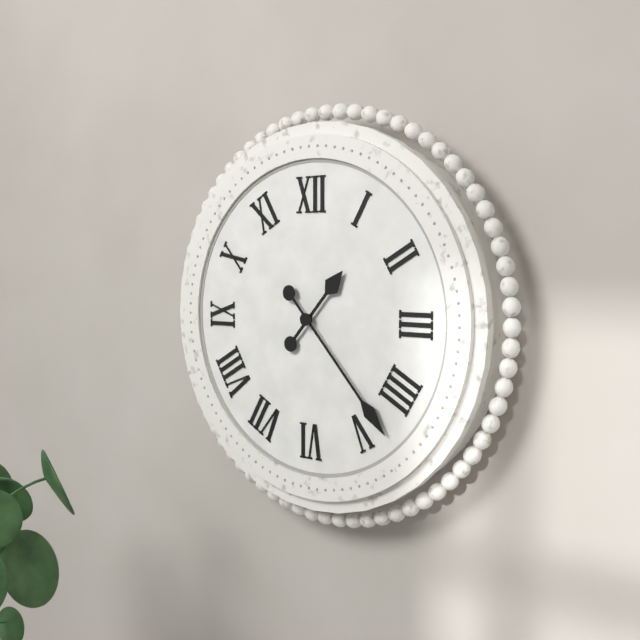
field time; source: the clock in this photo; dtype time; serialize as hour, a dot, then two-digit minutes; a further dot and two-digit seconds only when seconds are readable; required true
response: 1.23
